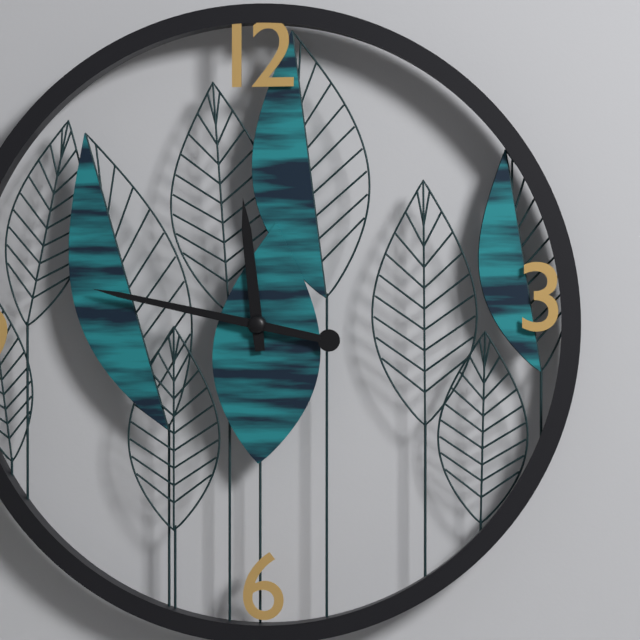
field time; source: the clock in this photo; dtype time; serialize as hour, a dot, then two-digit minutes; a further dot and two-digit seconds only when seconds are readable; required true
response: 11.47
